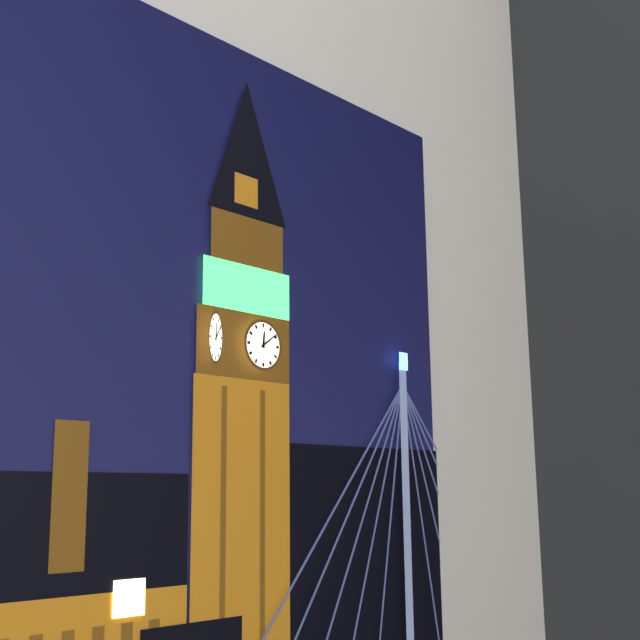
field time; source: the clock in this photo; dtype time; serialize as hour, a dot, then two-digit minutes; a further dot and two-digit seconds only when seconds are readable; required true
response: 12.09
